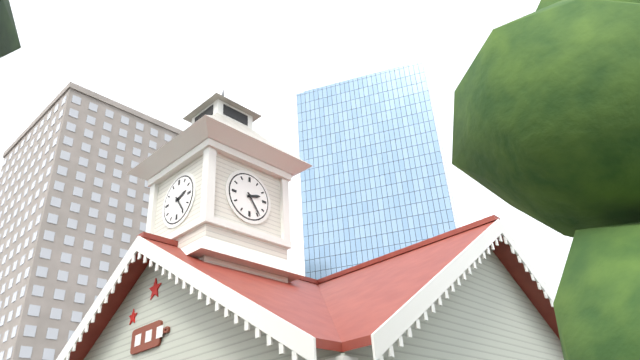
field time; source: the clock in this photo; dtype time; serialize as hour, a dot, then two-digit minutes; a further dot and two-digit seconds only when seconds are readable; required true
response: 2.24
